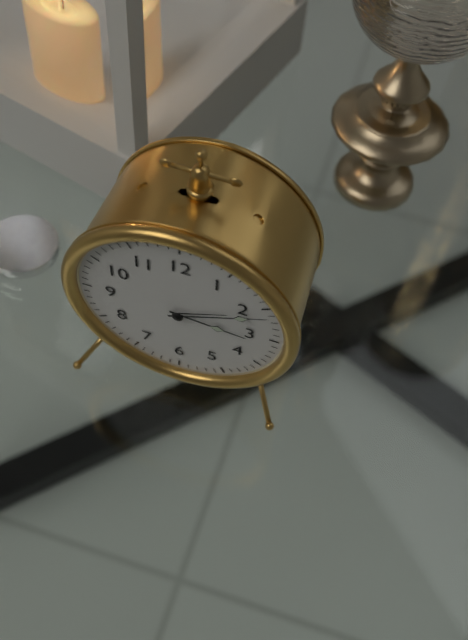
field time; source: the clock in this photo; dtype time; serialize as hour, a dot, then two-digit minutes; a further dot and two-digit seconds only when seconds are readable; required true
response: 3.11
